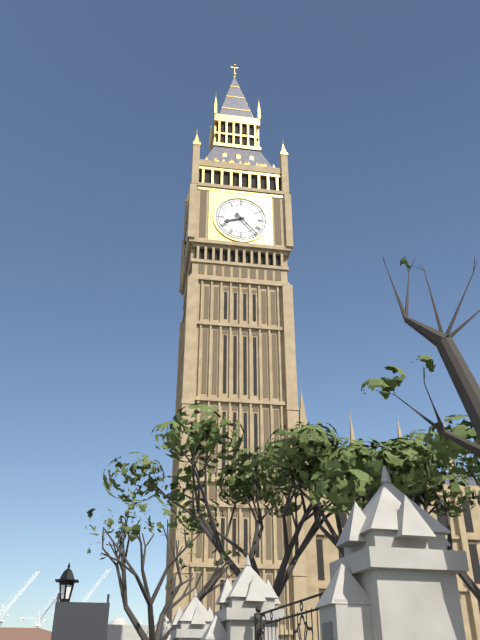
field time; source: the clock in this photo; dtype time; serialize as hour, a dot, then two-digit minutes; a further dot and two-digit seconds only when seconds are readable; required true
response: 8.23
